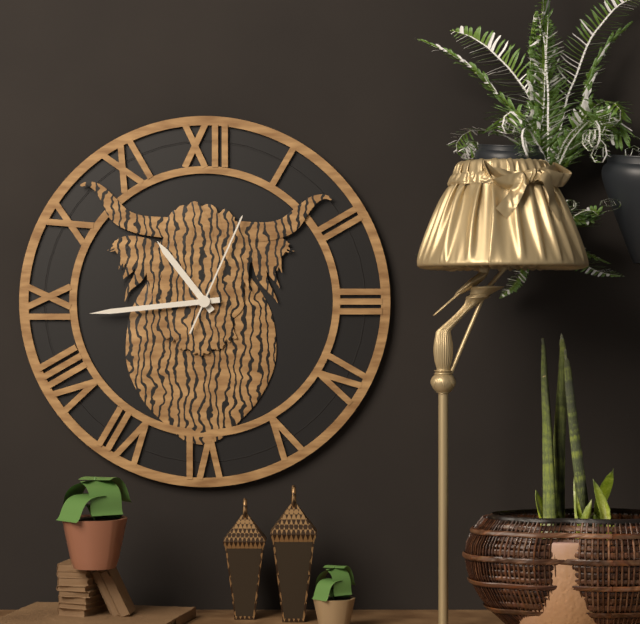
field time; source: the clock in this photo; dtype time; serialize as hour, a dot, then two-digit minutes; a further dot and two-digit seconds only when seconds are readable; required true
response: 10.44.04
